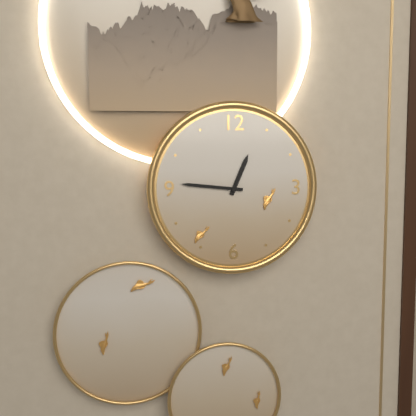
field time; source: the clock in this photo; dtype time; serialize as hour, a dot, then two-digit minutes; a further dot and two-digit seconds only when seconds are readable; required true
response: 12.46
